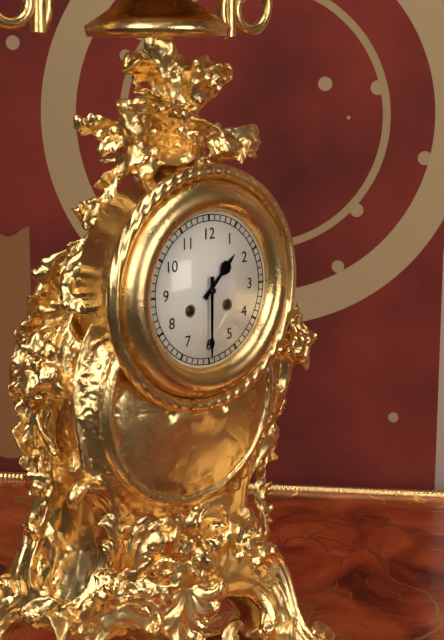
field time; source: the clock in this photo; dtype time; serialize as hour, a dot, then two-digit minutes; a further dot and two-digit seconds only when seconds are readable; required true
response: 1.30
